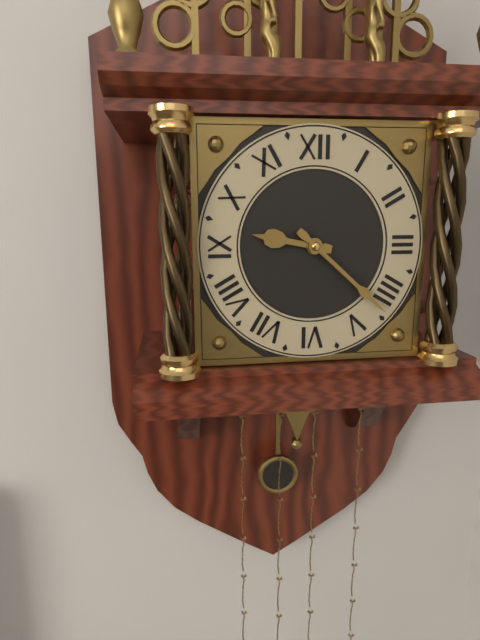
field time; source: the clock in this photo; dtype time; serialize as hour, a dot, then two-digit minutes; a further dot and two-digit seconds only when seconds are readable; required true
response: 9.22
